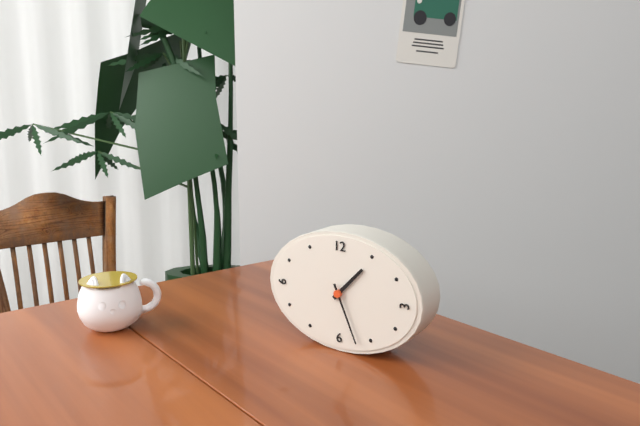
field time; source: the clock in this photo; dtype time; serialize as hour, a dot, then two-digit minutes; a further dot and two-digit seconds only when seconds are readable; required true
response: 1.26
